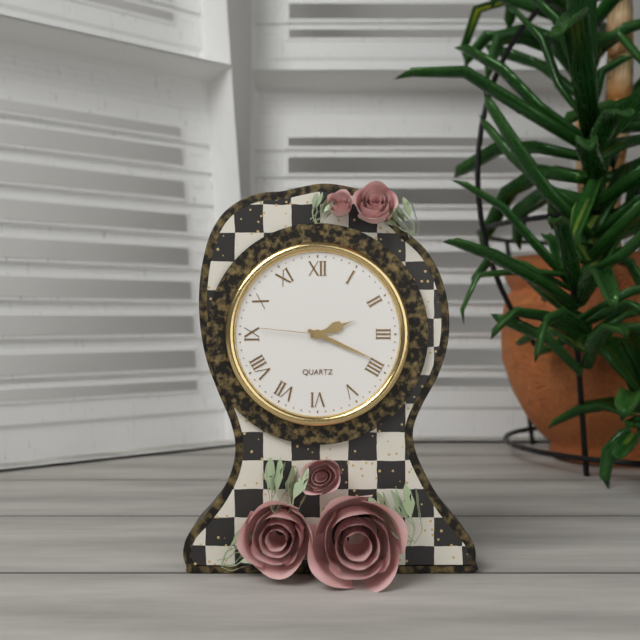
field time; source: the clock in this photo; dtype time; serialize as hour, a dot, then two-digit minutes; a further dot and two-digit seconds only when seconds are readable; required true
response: 2.19.46
